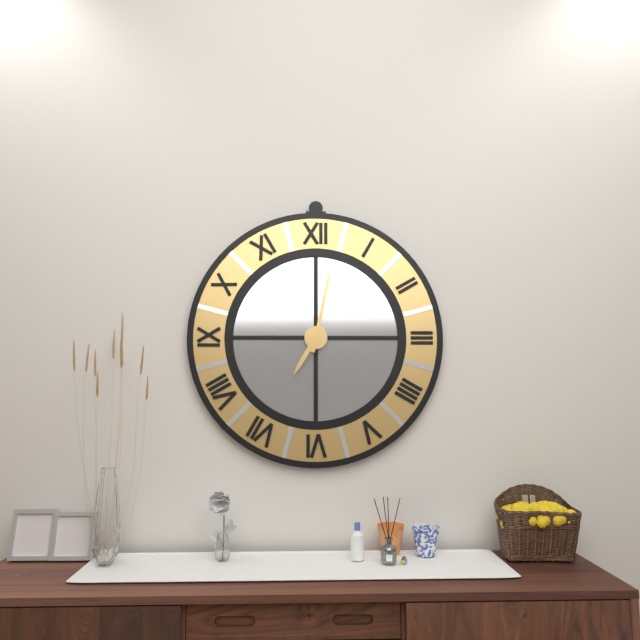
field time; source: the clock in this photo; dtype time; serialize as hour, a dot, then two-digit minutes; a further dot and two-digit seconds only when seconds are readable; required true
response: 7.02
